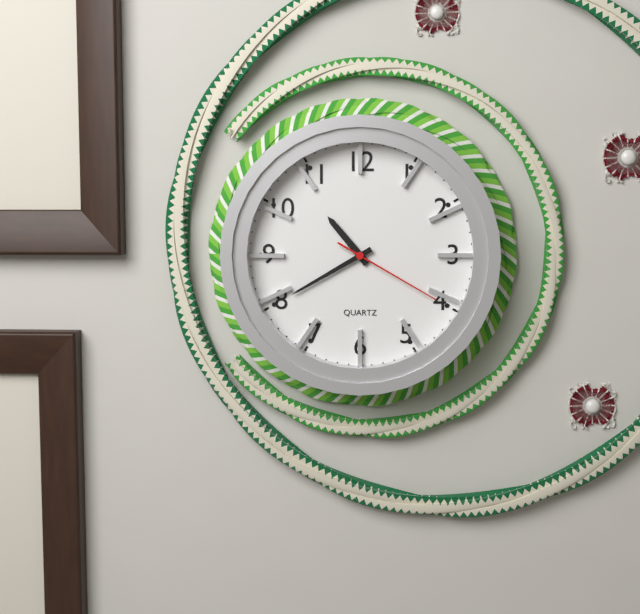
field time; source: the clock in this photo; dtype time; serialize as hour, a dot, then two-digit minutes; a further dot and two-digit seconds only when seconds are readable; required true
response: 10.40.20
